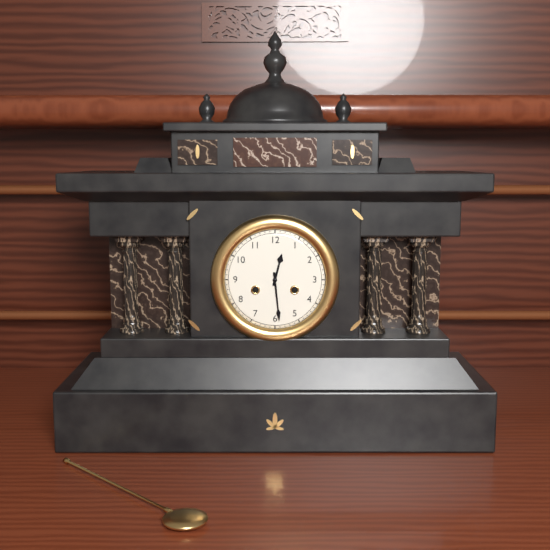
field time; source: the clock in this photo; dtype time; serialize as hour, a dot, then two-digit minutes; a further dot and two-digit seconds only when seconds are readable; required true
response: 12.29
